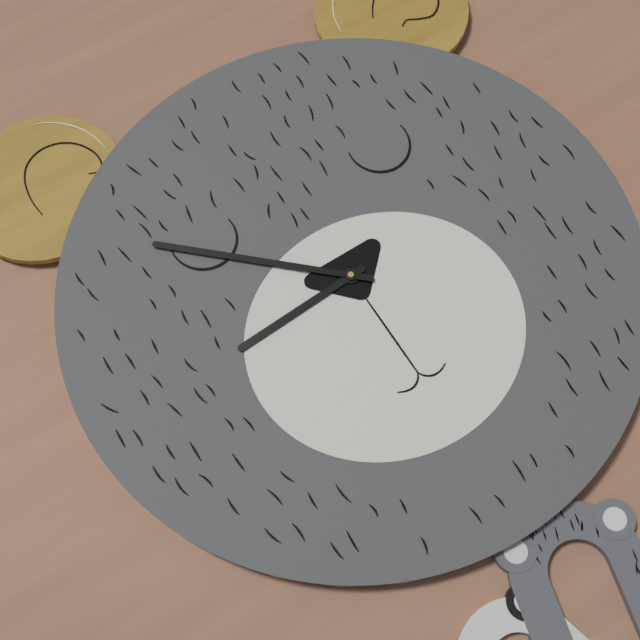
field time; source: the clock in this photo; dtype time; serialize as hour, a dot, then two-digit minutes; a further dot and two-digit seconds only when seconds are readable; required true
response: 8.52
